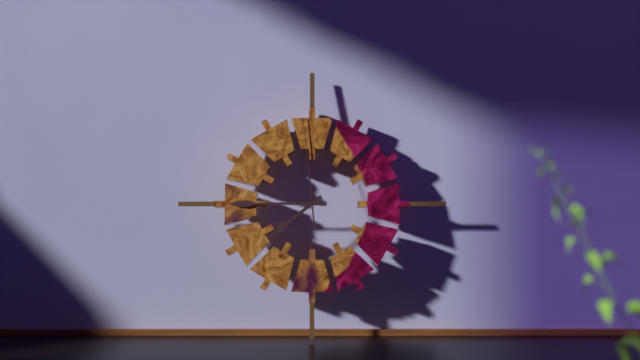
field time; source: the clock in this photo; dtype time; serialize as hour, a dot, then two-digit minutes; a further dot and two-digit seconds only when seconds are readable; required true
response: 7.45.59
